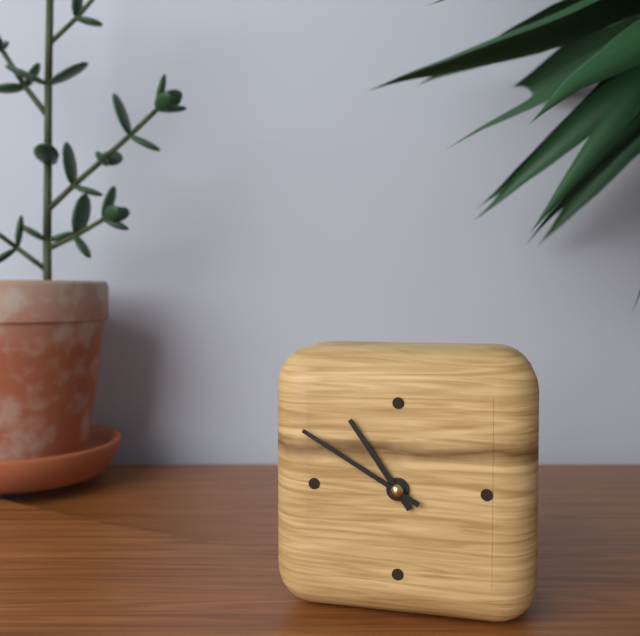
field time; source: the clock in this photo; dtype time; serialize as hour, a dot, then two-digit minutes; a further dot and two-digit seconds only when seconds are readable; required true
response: 10.50
